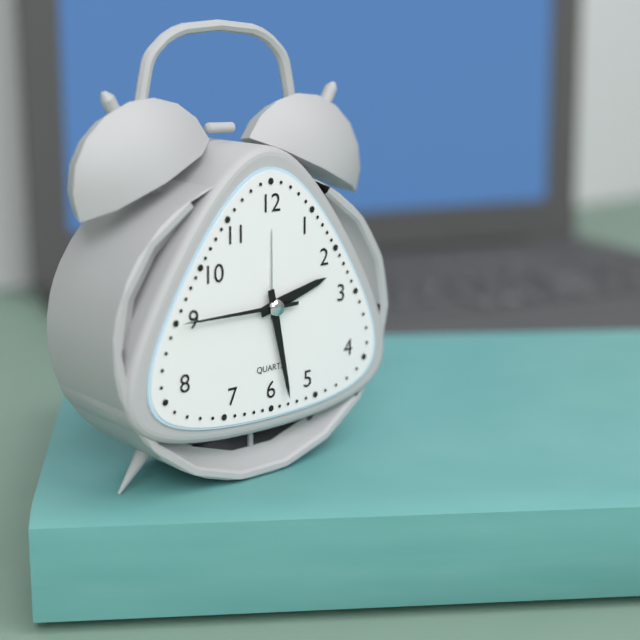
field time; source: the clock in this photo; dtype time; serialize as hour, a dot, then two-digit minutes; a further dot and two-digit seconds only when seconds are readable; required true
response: 2.28.45
